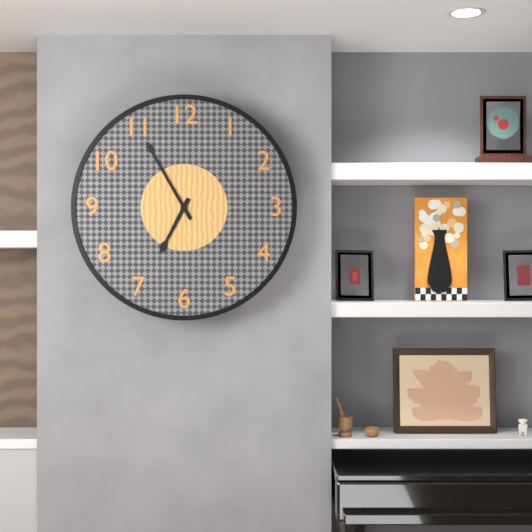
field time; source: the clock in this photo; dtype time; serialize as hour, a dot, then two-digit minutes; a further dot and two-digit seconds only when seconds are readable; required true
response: 6.55
